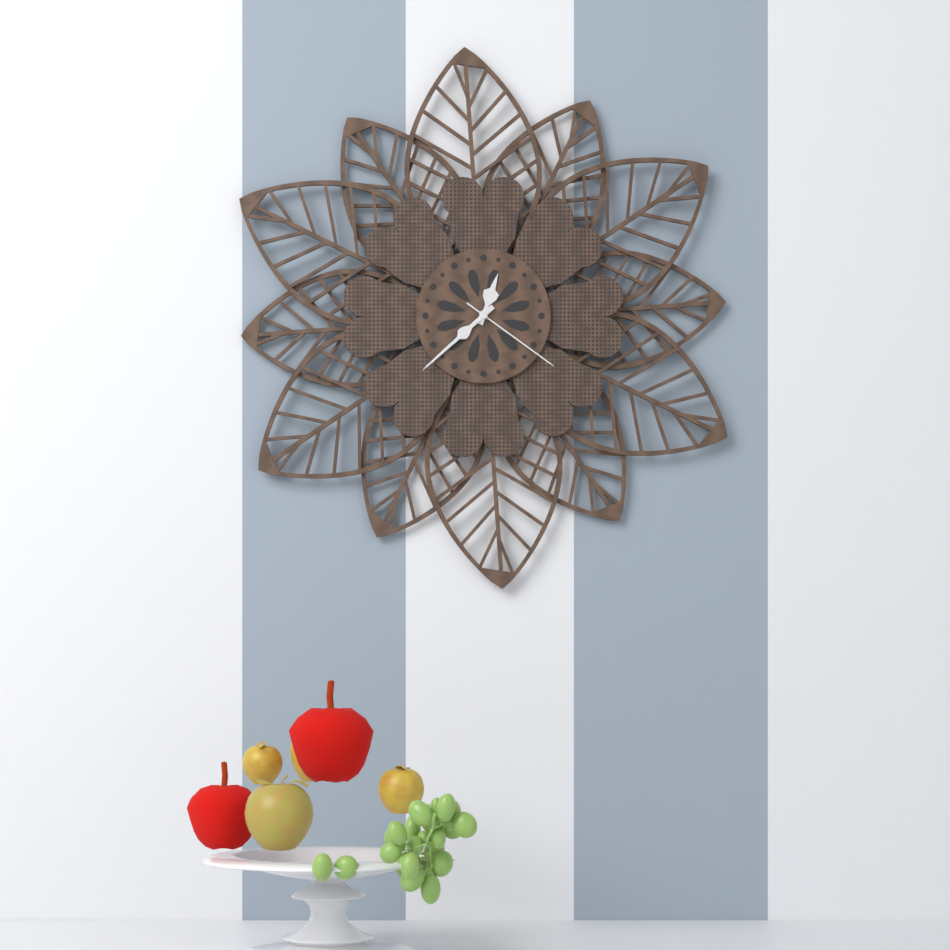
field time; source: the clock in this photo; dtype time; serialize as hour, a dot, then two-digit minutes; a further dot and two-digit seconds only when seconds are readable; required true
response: 12.38.21
